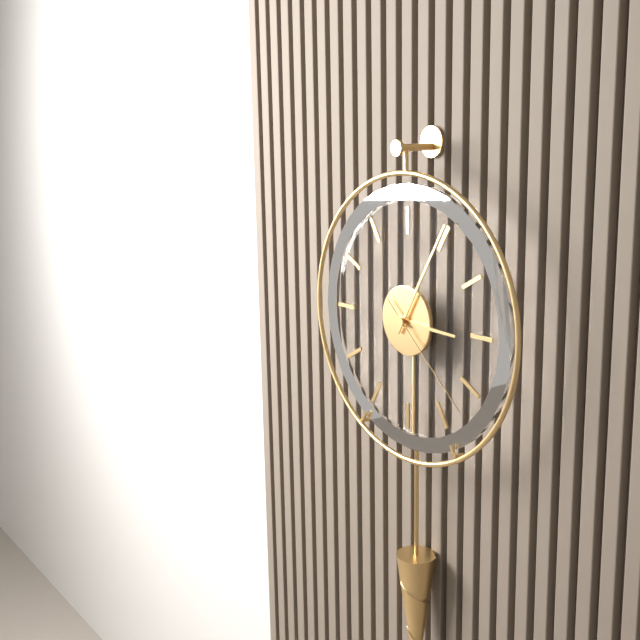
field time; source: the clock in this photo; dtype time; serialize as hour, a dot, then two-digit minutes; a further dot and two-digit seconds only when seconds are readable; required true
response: 3.05.22
